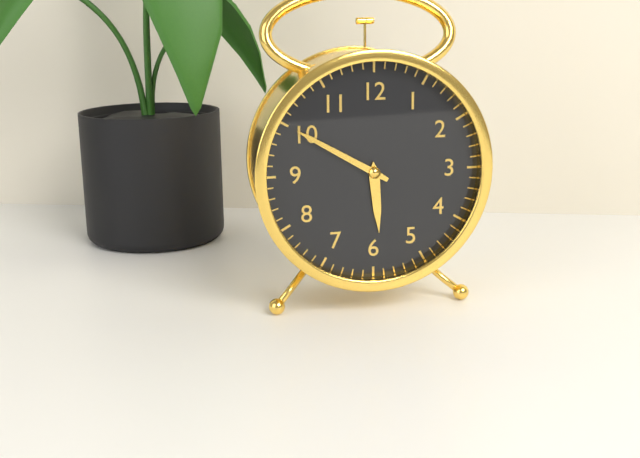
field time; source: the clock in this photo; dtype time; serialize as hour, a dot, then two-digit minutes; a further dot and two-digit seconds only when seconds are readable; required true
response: 5.50
